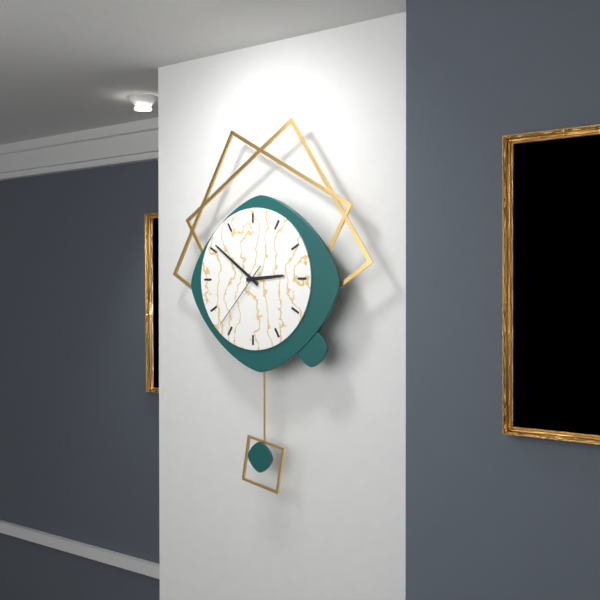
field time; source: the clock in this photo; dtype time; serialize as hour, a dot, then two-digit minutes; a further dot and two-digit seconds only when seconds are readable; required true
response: 2.51.37
